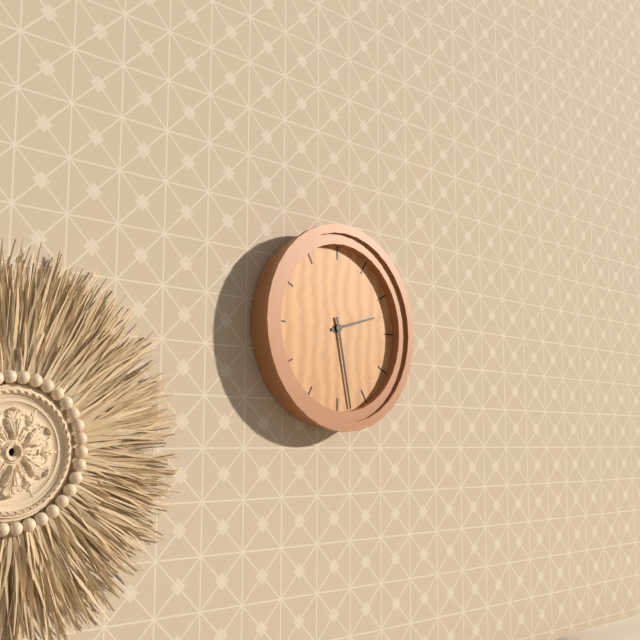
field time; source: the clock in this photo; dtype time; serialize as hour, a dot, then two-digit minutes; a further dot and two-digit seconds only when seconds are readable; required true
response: 2.28
